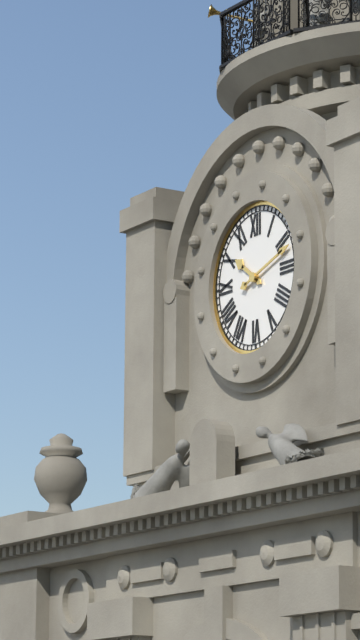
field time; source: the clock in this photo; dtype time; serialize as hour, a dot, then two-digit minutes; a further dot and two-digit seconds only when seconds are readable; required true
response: 10.12
